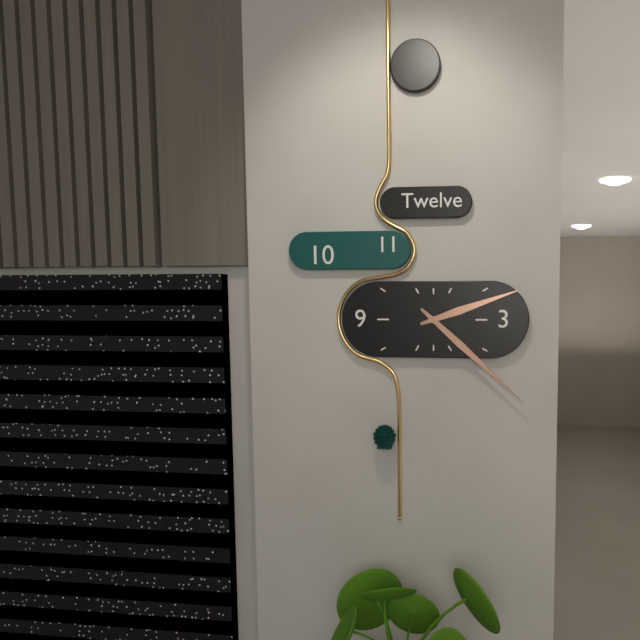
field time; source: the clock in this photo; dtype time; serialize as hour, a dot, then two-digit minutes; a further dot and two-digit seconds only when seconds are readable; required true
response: 2.22
